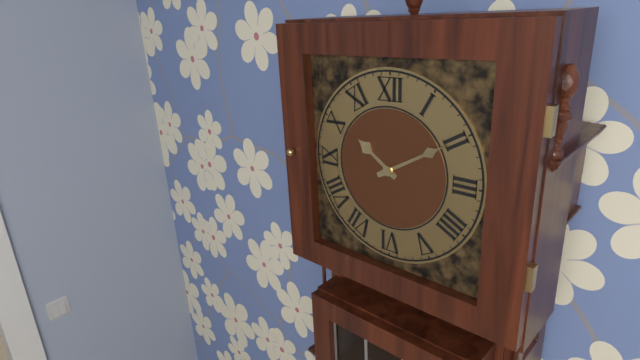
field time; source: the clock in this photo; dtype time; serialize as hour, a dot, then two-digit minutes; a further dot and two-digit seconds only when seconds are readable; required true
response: 10.10
